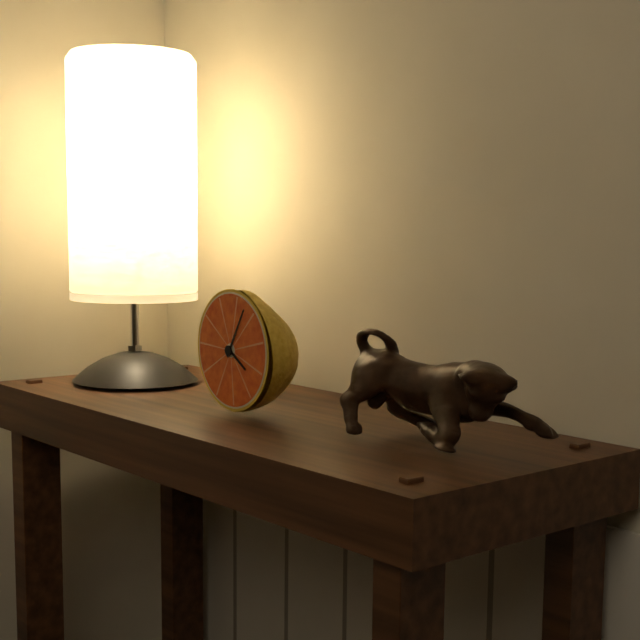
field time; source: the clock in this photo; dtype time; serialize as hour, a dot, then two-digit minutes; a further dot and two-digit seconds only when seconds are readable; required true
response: 4.05
